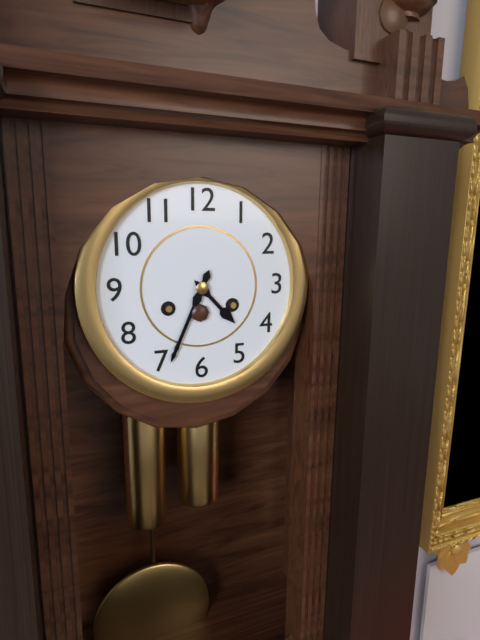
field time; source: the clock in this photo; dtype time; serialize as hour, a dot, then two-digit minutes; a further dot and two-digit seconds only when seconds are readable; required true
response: 4.34
